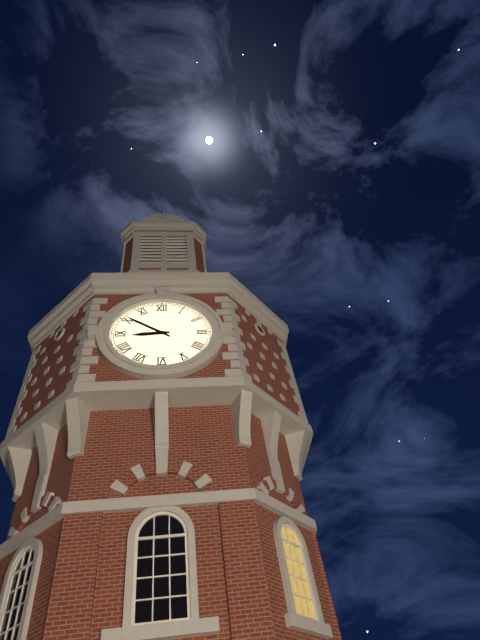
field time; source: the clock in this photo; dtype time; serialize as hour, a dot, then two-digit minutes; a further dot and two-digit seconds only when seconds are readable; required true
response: 8.51
